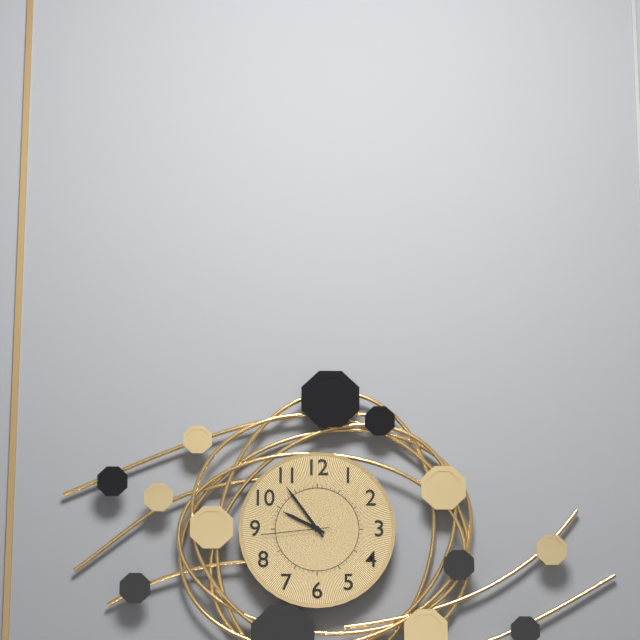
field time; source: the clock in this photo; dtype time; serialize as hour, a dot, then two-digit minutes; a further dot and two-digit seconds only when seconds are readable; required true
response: 9.54.44
